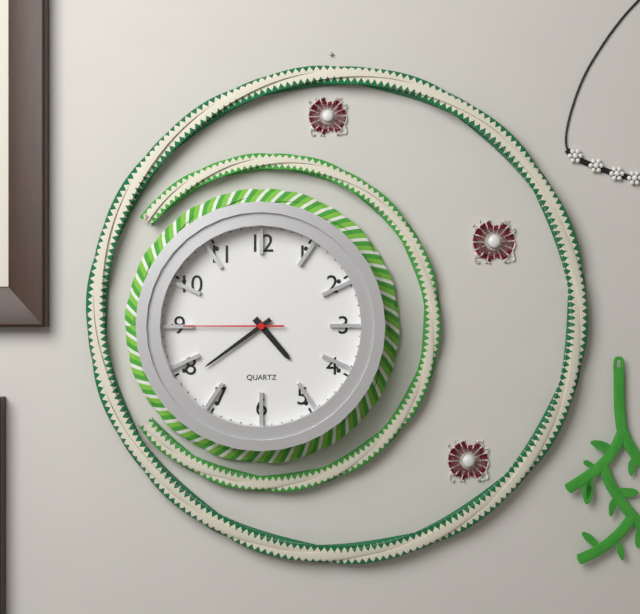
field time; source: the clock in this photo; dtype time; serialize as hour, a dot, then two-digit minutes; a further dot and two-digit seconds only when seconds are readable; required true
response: 4.39.45
